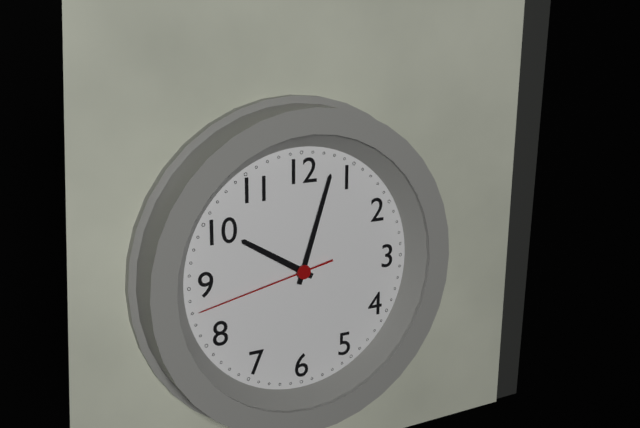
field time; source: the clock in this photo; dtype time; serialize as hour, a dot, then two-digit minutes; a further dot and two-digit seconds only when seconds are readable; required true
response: 10.03.43
